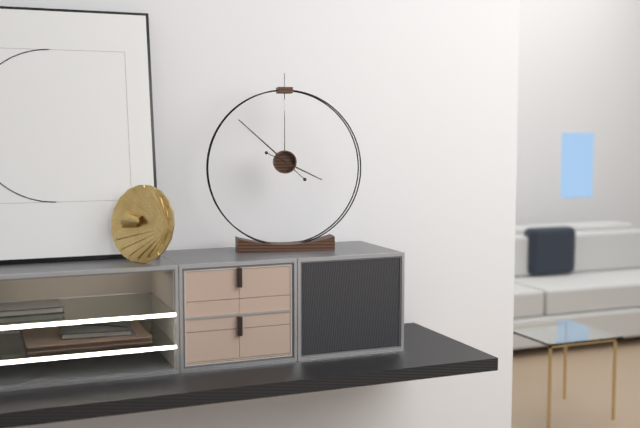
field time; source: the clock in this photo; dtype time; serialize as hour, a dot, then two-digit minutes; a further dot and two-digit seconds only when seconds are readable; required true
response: 3.52
